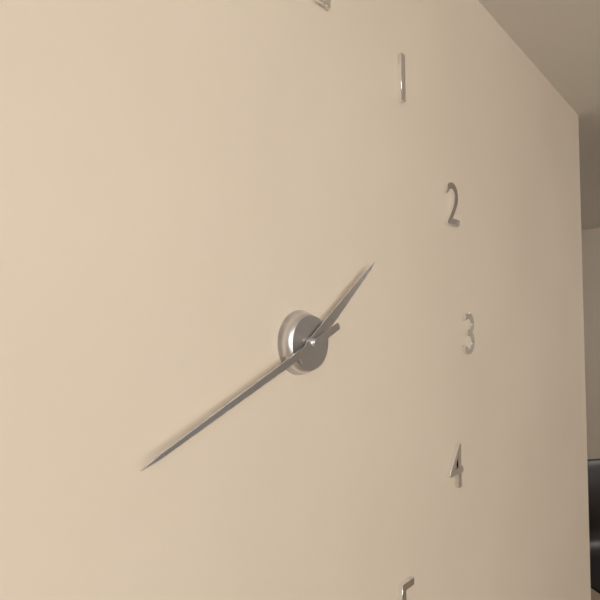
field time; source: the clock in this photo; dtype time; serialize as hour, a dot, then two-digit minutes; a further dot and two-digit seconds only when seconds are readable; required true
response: 1.41
